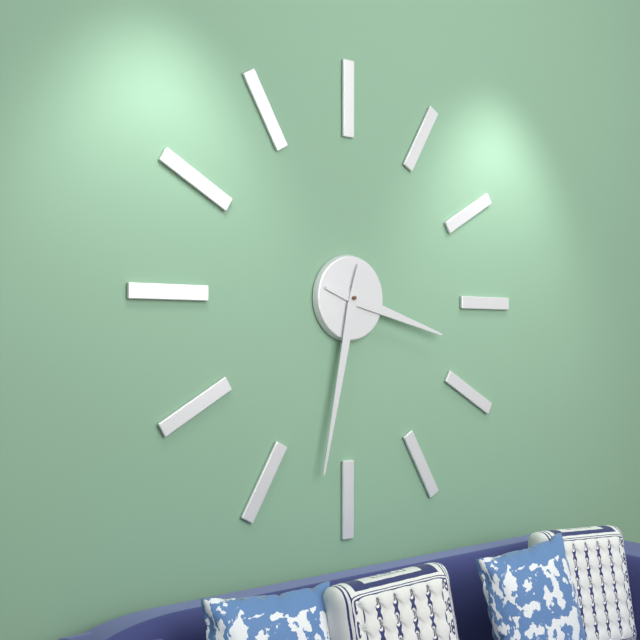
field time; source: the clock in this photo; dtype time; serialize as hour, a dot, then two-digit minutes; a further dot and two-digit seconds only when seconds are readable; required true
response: 3.32
